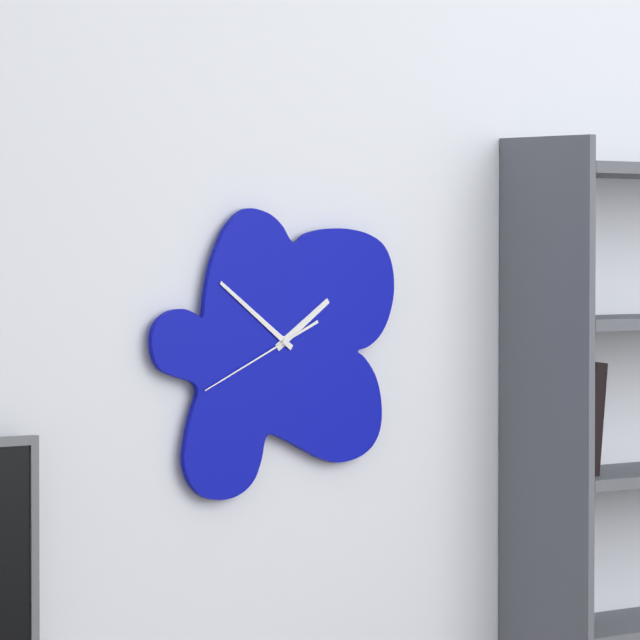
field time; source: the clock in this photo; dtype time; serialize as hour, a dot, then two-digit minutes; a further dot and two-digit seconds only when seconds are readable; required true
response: 1.51.41
